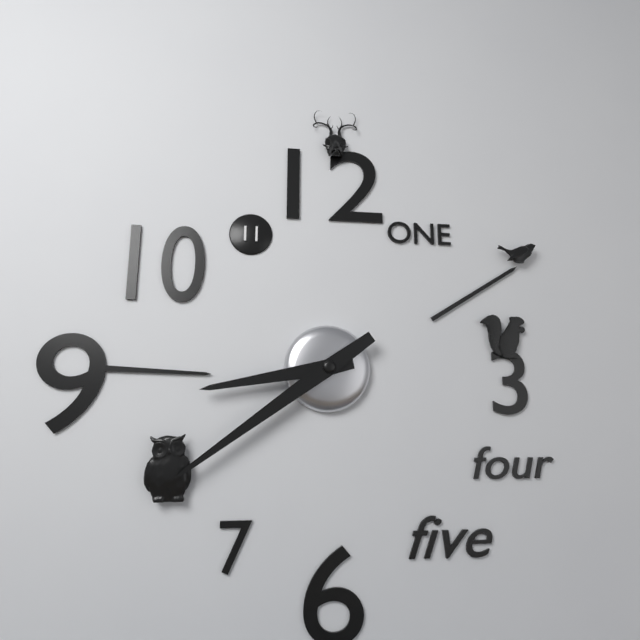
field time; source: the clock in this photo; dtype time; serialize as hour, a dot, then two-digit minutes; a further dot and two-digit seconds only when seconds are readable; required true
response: 8.39
